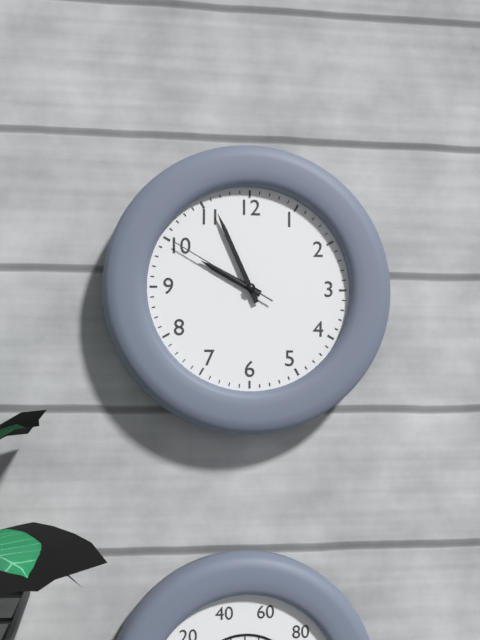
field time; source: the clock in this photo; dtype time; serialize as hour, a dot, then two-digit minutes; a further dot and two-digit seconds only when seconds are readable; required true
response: 9.56.50
